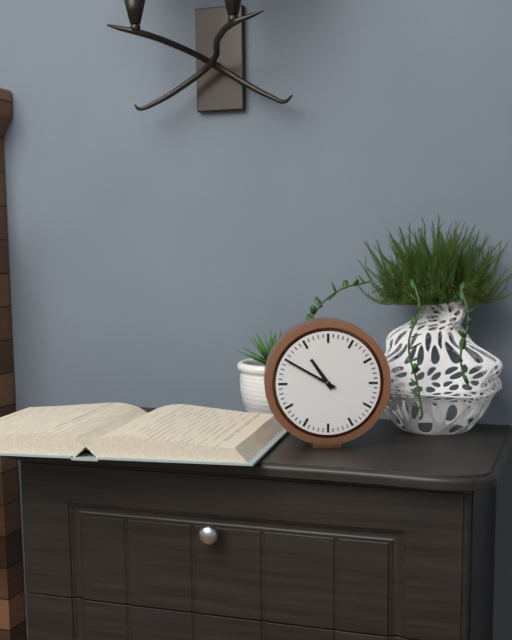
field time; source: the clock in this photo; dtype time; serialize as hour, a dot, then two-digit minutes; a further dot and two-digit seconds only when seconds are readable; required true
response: 10.50
